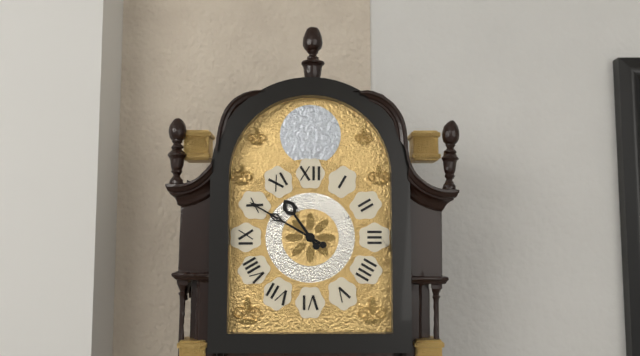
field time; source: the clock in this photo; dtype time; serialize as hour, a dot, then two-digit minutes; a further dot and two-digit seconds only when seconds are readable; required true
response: 10.50
